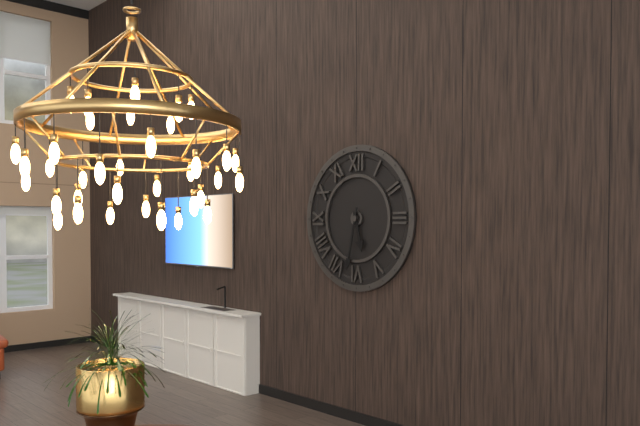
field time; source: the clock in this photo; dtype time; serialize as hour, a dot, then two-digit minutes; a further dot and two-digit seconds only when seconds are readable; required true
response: 5.32
